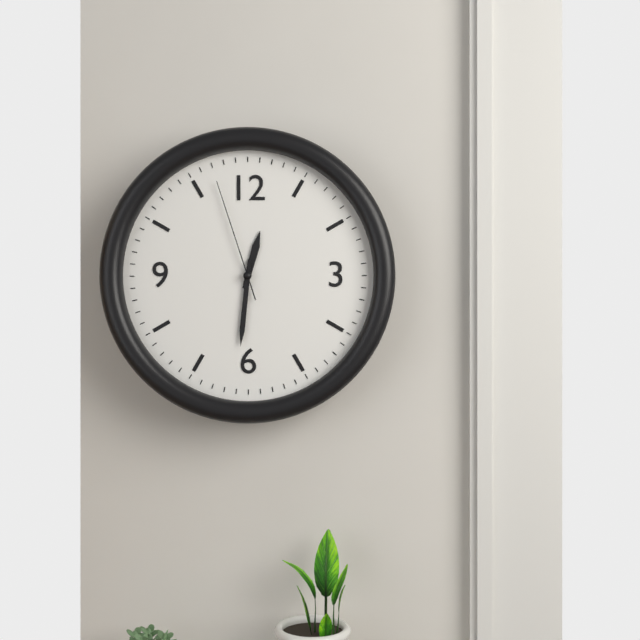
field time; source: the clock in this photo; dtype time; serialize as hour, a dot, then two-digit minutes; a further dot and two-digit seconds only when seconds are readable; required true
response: 12.31.57
